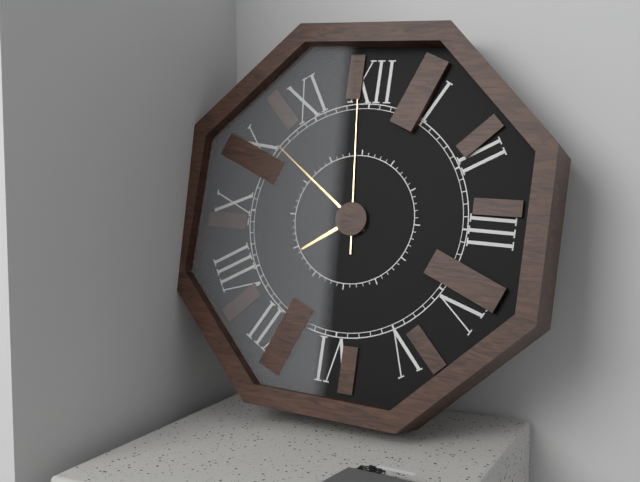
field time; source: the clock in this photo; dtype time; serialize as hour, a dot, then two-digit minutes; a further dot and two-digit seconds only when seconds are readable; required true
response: 7.51.59
